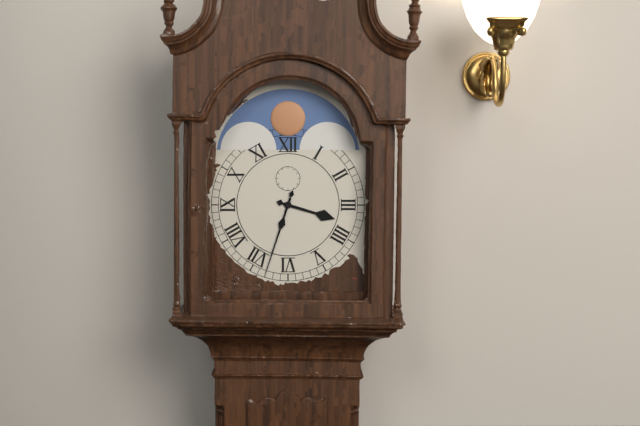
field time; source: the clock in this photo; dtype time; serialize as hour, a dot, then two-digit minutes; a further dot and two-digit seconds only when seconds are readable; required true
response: 3.33
